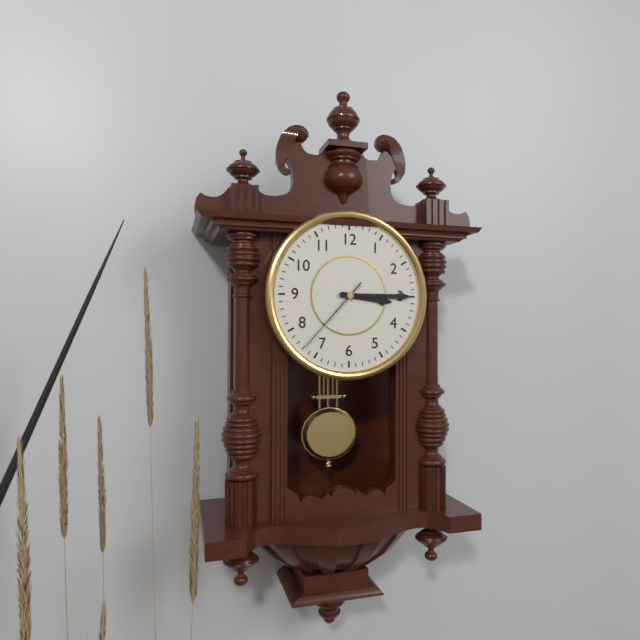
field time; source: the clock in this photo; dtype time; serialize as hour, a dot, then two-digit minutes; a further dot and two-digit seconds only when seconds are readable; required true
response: 3.15.37
